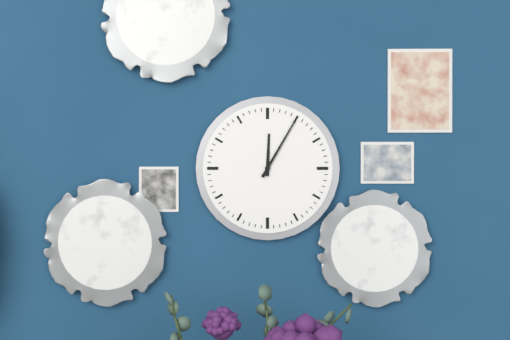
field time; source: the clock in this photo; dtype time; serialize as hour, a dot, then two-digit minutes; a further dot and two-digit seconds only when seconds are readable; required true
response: 12.05
